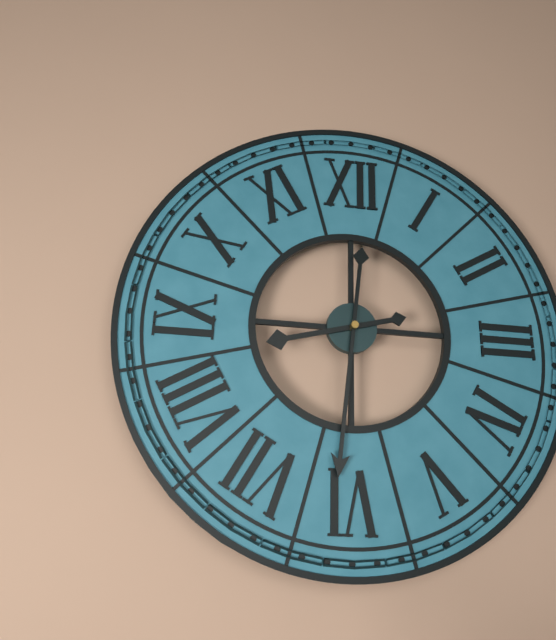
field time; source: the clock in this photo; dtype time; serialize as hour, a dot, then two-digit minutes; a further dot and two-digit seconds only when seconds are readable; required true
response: 8.31
